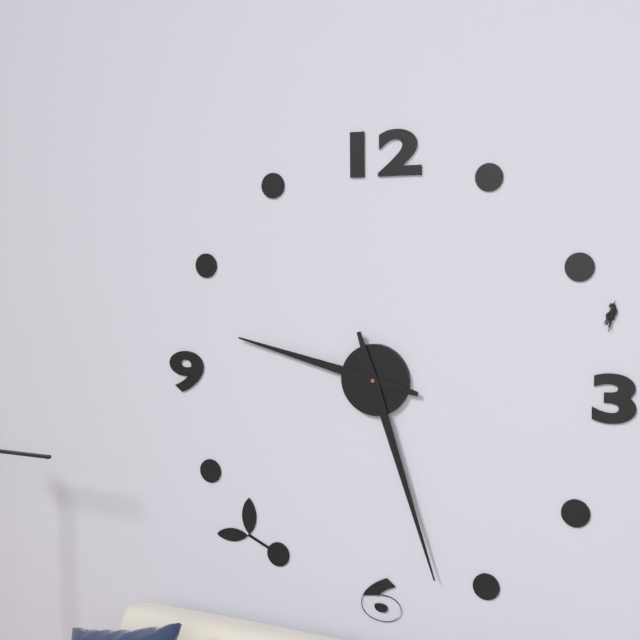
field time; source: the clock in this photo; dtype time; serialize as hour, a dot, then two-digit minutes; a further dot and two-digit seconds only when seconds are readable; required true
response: 9.27
